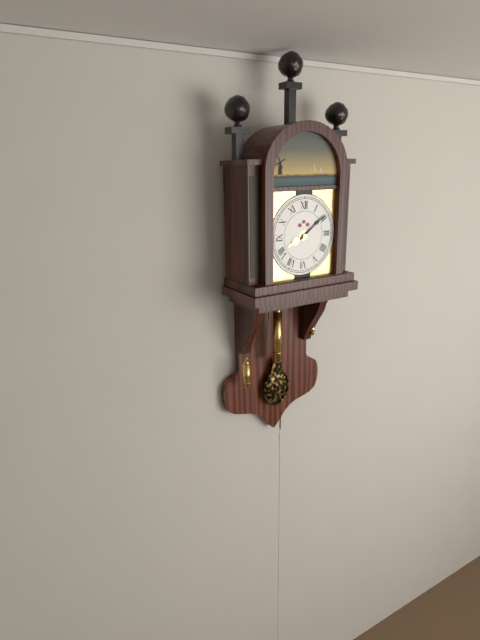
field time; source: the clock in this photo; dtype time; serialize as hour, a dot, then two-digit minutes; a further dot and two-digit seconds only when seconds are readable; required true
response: 8.09
